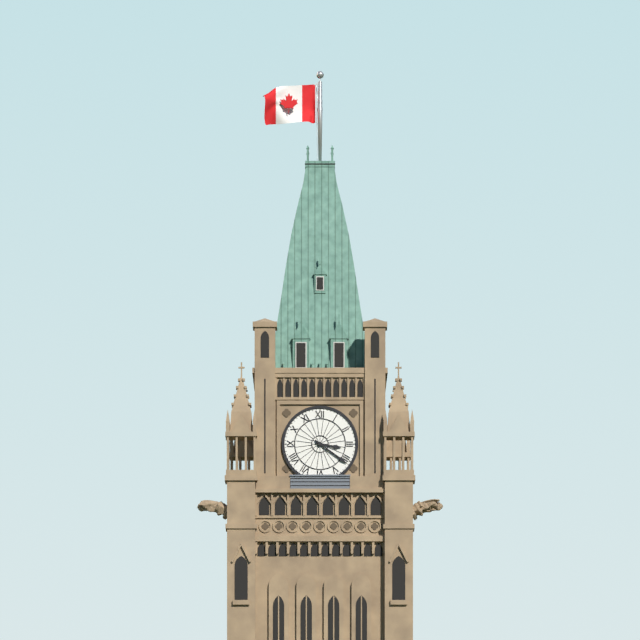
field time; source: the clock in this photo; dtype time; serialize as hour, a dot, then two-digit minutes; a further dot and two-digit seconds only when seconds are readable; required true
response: 3.21
